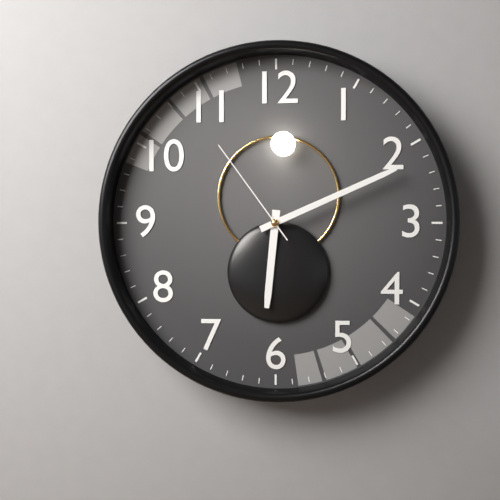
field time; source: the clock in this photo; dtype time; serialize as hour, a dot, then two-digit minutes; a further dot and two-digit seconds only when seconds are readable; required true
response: 6.11.54
